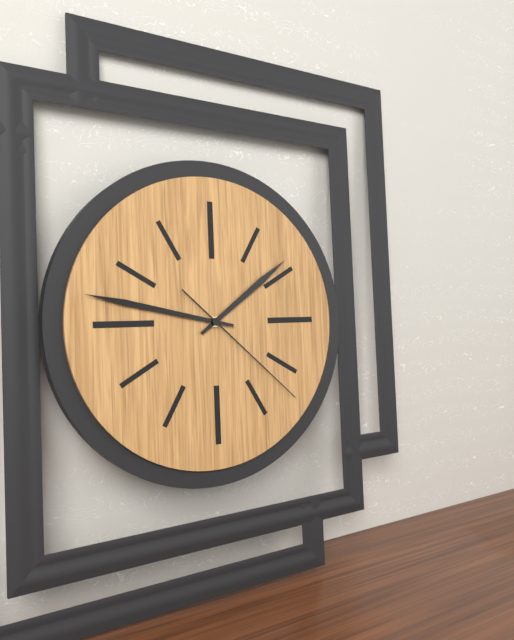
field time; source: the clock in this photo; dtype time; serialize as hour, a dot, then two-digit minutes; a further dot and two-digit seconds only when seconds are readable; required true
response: 1.47.22
